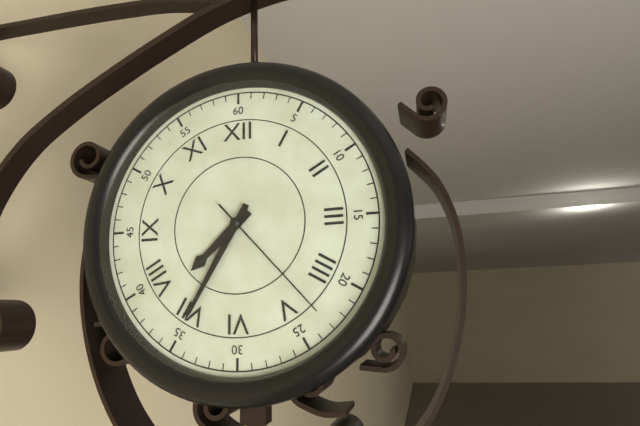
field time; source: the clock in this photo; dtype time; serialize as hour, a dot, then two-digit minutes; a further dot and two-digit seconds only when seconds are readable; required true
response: 7.35.23
